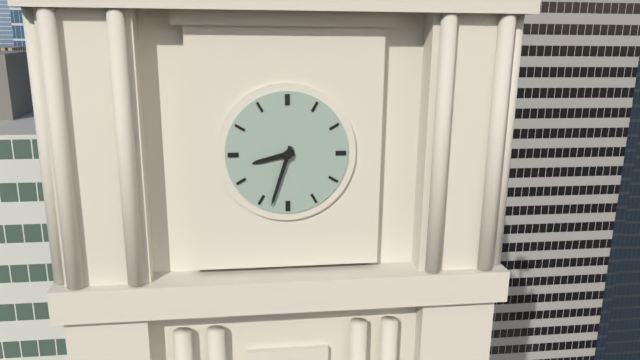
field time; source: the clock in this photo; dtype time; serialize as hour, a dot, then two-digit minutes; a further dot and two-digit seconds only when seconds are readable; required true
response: 8.33
